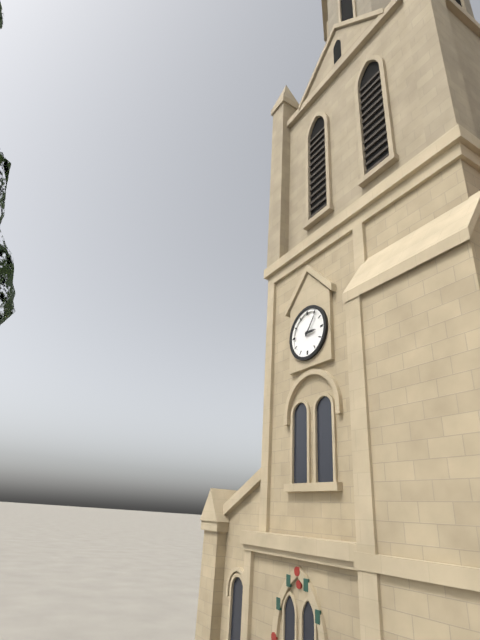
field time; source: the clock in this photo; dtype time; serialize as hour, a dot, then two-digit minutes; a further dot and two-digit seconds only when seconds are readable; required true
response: 3.06
